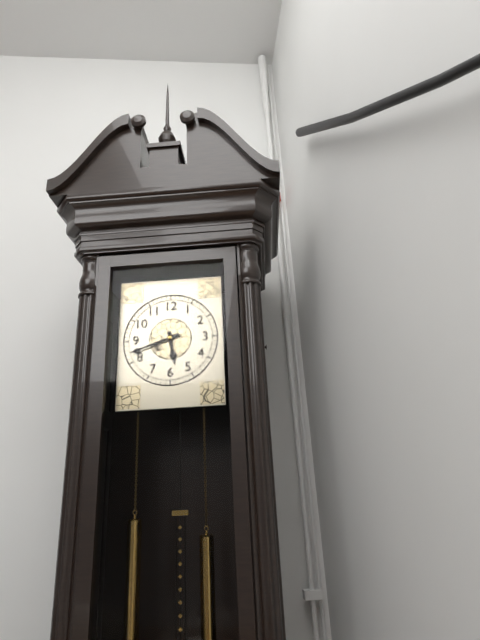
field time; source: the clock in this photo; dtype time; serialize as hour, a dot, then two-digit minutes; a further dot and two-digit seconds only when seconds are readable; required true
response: 5.42
